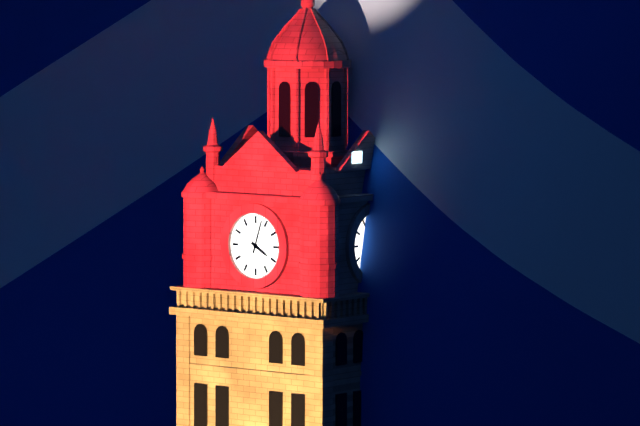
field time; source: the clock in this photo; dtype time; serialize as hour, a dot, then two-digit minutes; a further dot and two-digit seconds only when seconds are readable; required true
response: 4.03
